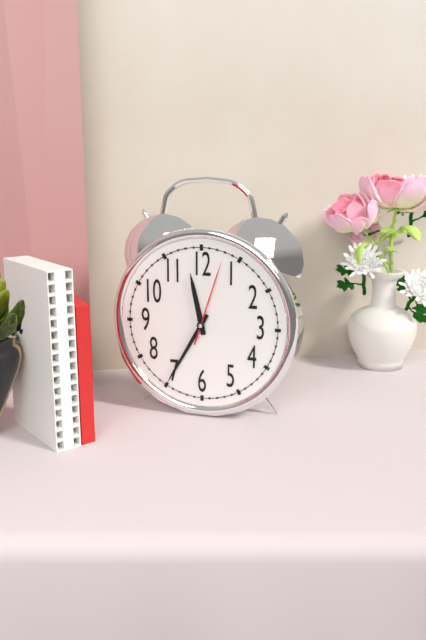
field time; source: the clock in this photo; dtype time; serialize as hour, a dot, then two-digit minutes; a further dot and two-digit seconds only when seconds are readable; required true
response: 11.35.03
